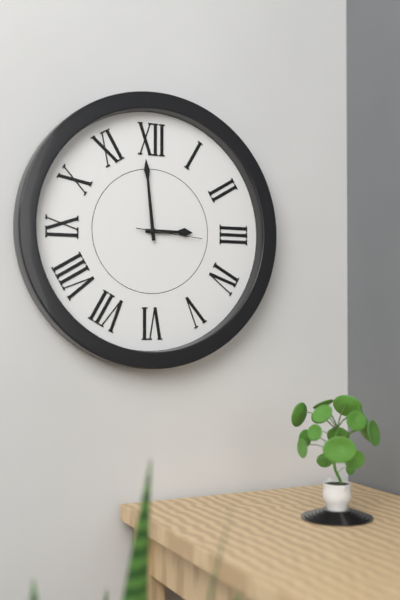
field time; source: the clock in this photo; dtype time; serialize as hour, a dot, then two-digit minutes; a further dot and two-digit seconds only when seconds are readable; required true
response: 2.59.16
